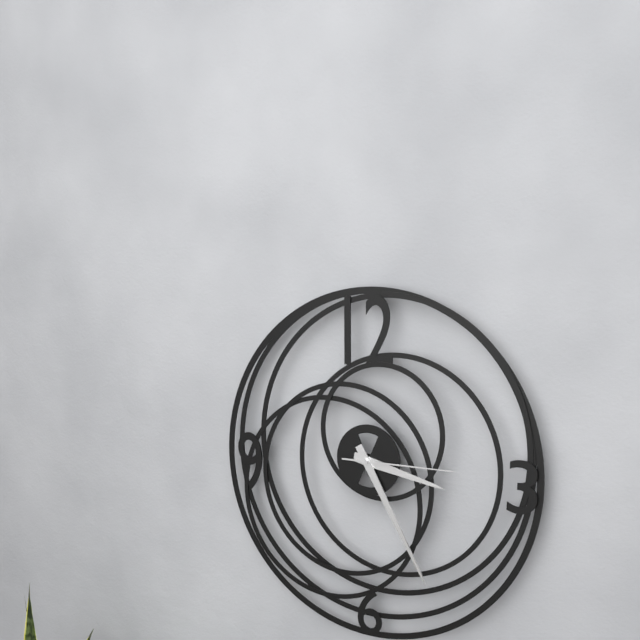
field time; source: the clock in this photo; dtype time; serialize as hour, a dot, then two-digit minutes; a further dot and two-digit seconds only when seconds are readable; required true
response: 3.25.15
